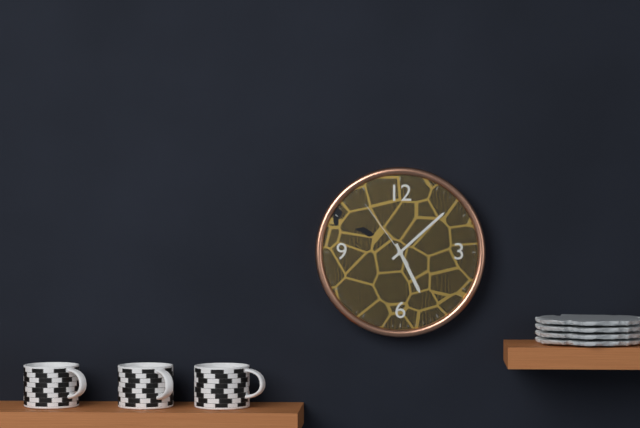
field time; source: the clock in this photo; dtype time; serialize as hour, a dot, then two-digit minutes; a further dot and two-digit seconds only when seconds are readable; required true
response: 5.08.54
